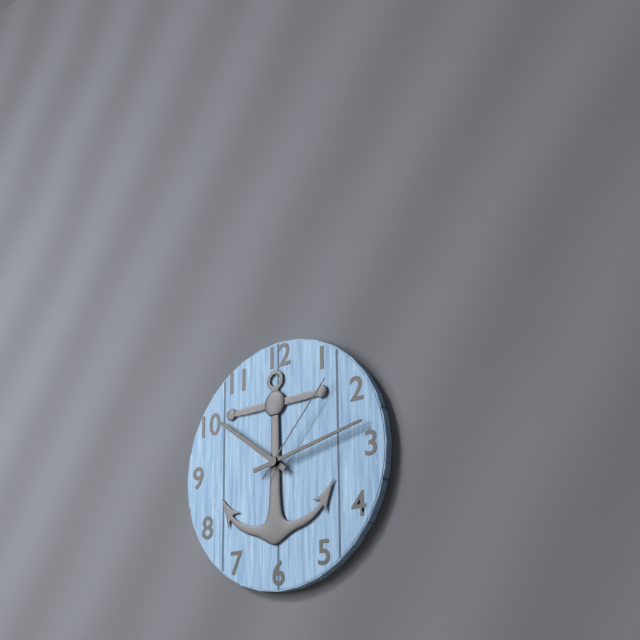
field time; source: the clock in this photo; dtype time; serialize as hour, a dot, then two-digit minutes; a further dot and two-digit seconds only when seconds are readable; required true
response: 10.13.07
